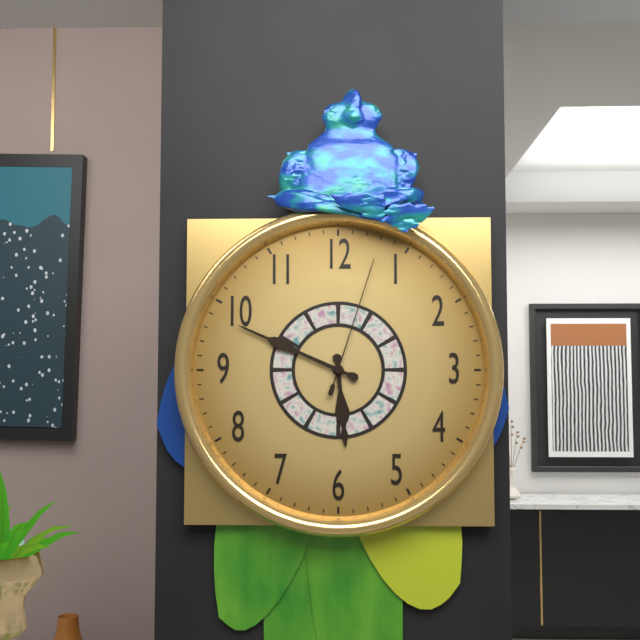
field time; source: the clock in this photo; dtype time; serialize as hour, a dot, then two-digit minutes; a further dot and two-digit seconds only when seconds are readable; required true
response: 5.49.03
